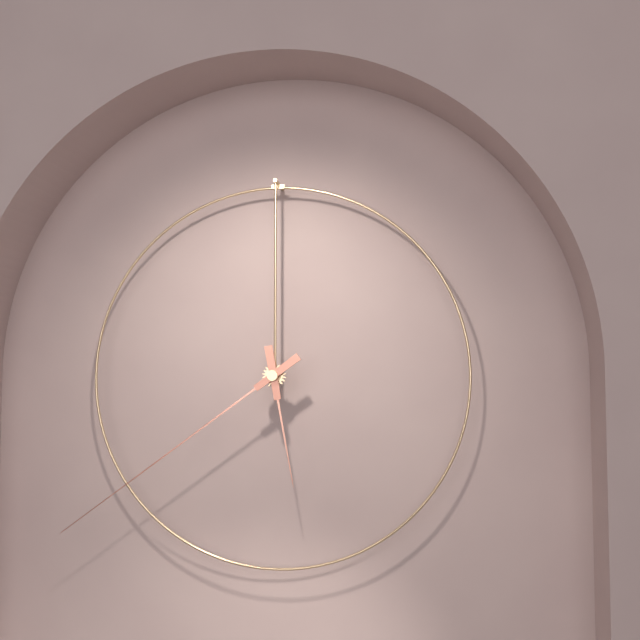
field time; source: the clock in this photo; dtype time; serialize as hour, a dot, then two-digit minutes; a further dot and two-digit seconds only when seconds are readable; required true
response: 5.39
